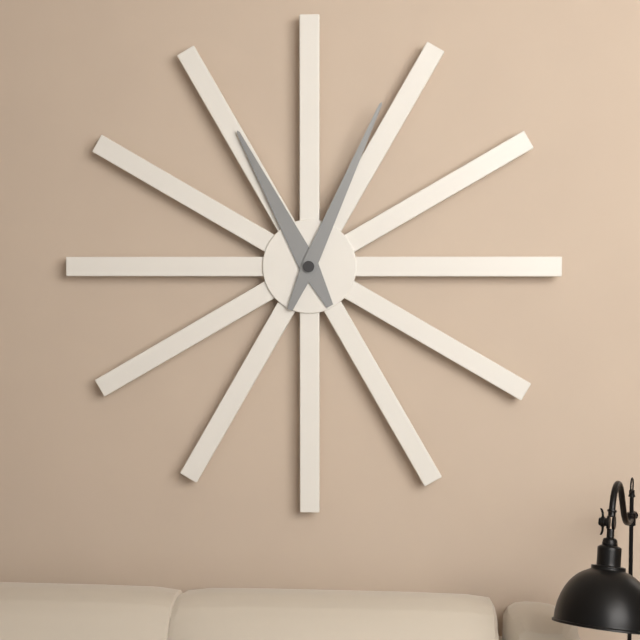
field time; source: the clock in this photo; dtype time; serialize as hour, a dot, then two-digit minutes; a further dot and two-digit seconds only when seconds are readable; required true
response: 11.04
